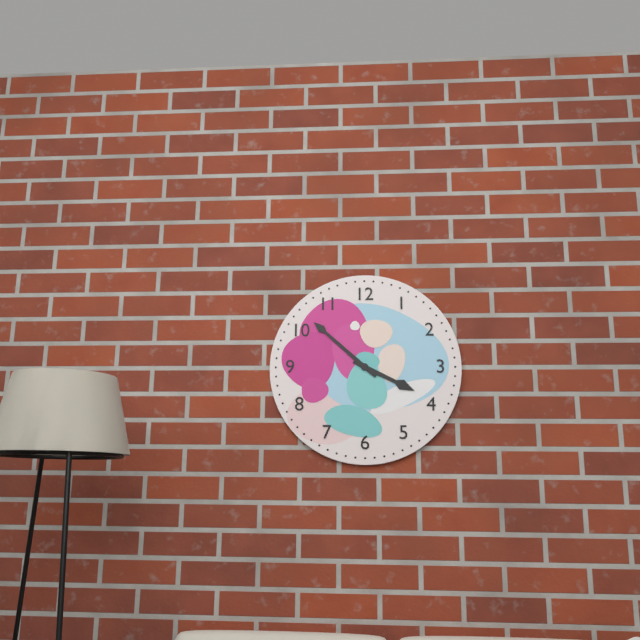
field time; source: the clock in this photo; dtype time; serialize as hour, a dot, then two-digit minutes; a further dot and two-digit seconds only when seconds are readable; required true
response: 3.52
